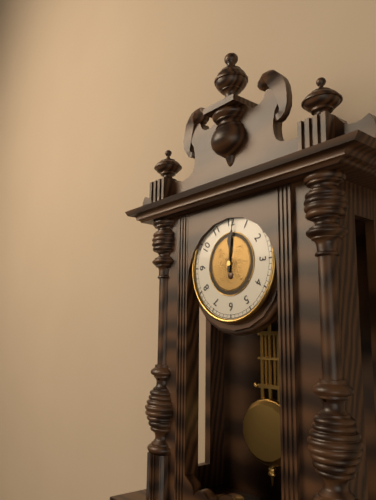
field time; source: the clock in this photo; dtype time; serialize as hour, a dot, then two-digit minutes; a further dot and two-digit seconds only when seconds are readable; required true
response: 12.01
